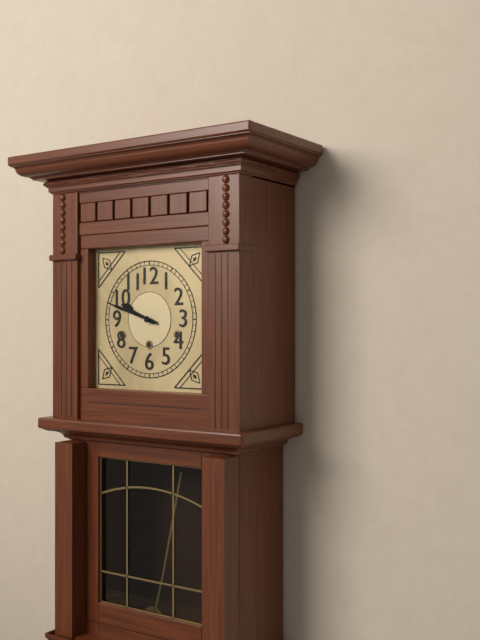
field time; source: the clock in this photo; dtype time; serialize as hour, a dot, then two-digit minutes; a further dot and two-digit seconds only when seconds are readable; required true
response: 9.48
